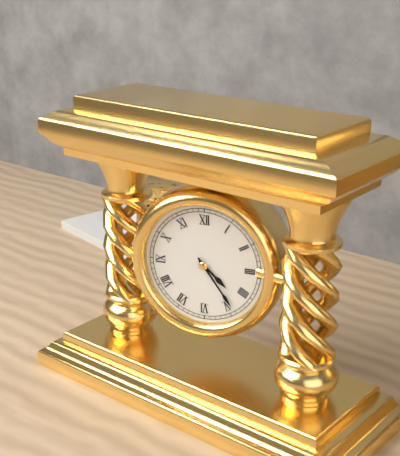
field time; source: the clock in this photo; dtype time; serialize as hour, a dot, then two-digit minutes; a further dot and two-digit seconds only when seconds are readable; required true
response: 4.24
